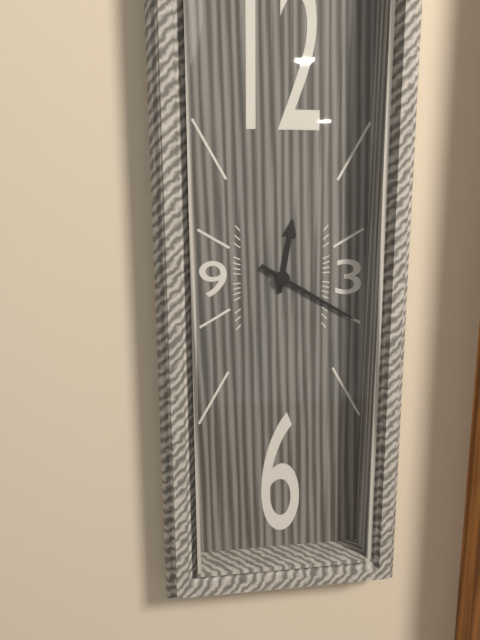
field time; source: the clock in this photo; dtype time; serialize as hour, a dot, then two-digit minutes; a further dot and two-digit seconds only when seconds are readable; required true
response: 12.20
